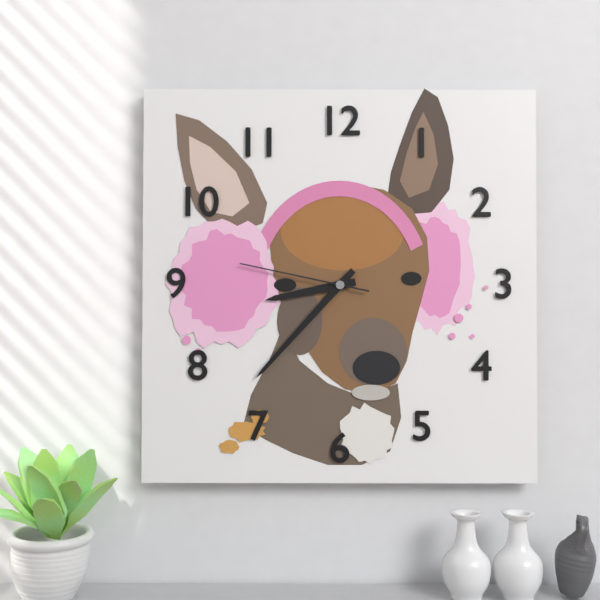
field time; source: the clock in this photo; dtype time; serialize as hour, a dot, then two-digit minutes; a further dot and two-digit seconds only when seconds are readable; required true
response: 8.37.47
